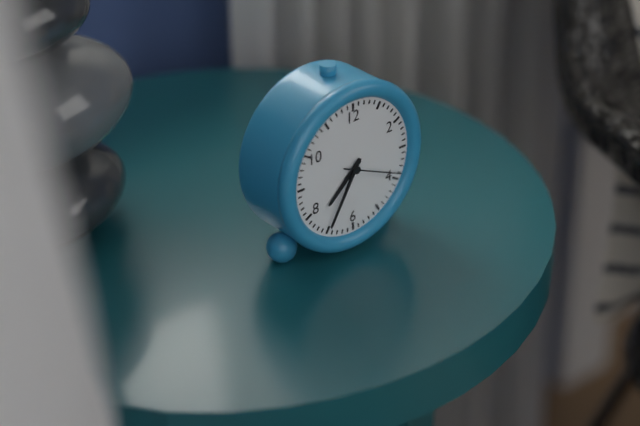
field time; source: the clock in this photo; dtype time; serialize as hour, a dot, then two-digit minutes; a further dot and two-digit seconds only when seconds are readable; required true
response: 7.35.19
